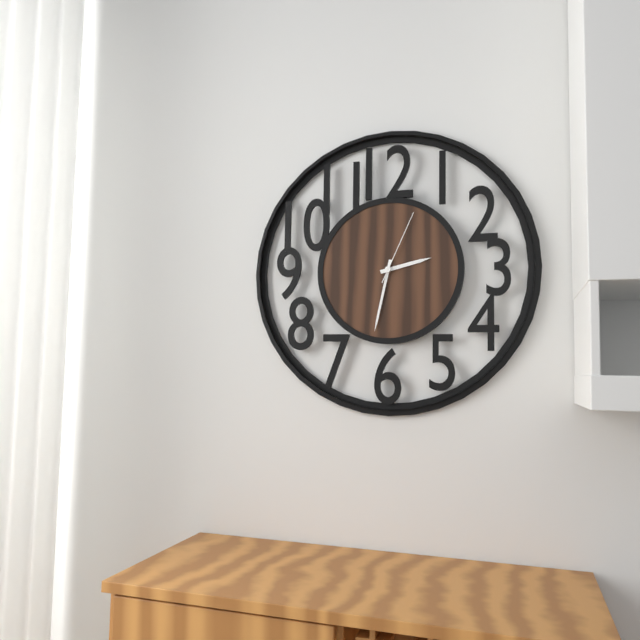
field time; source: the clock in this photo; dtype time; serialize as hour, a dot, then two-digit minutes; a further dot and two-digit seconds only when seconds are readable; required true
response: 2.32.04
